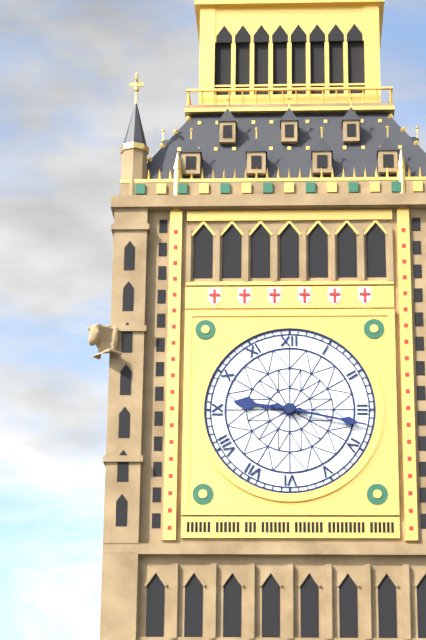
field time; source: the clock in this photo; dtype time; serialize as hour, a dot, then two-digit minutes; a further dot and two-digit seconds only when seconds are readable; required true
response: 9.17
